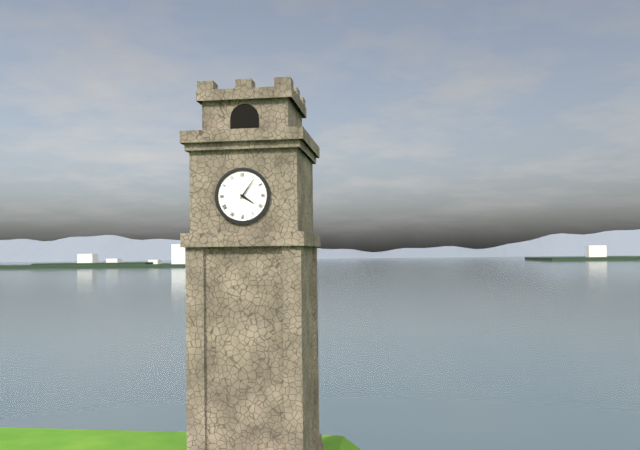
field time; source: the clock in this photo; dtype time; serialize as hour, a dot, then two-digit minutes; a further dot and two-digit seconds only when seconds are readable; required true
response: 4.06
